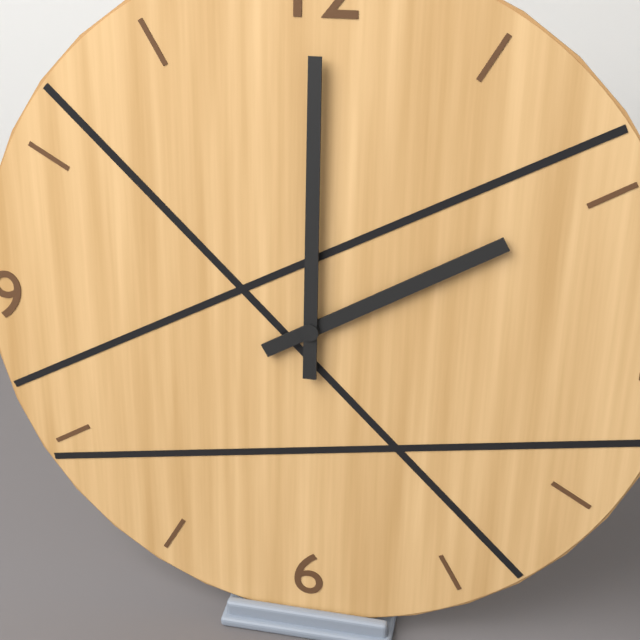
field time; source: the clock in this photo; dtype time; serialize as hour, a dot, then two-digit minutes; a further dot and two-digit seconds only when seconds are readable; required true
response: 2.00
